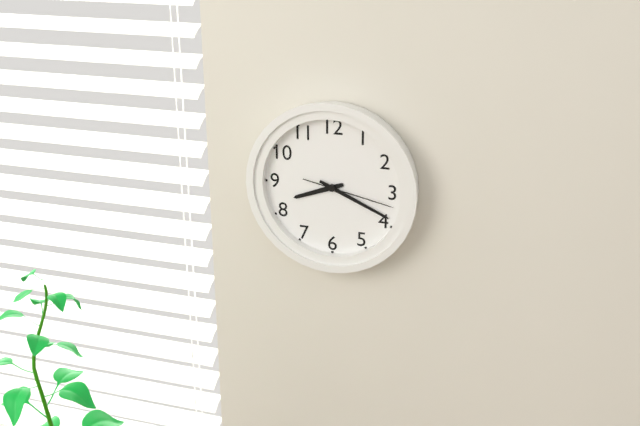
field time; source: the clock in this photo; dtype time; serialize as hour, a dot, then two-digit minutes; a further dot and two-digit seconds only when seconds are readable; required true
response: 8.19.17
